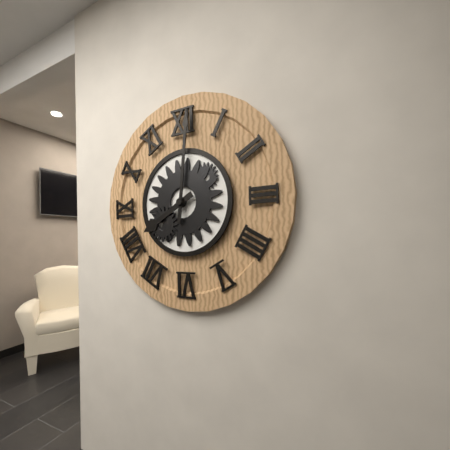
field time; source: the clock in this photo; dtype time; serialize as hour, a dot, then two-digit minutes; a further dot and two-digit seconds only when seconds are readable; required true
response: 8.01
